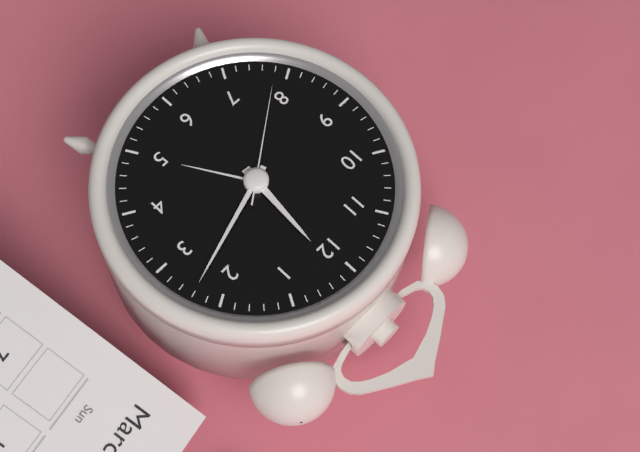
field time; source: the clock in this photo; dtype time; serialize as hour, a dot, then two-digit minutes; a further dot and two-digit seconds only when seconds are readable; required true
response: 12.12.39
